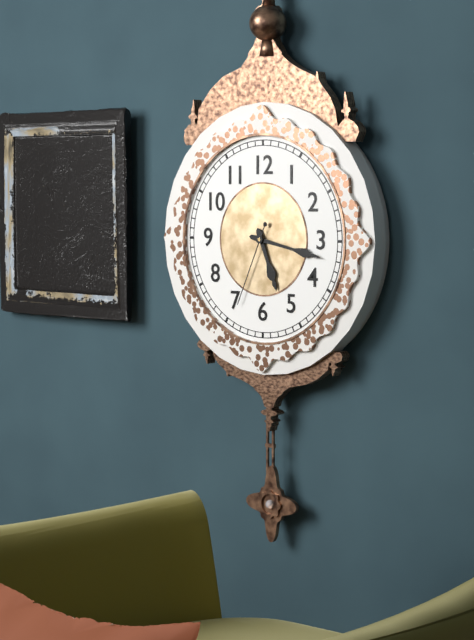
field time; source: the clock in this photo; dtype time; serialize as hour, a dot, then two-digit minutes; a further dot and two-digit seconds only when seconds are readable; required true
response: 5.17.34
